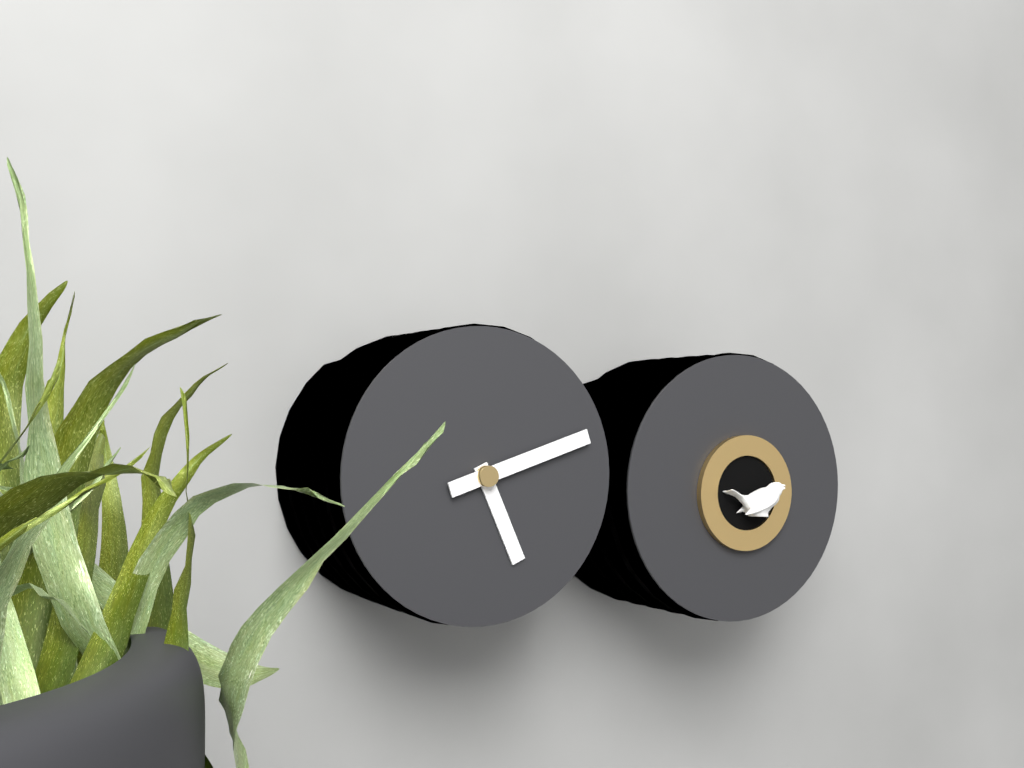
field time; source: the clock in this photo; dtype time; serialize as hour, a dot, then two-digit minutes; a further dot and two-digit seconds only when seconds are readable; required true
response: 5.12
